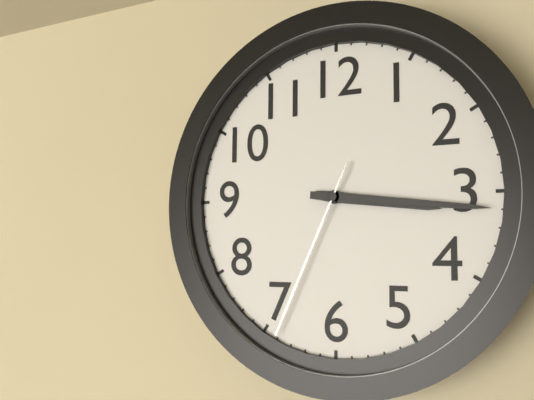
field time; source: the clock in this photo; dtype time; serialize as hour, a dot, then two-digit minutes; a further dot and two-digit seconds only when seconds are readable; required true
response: 3.16.34
